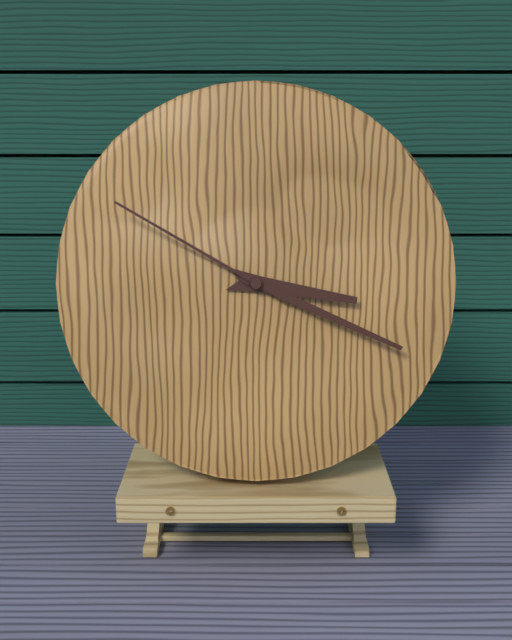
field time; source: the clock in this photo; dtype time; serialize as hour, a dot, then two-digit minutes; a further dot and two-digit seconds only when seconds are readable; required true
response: 3.19.50
